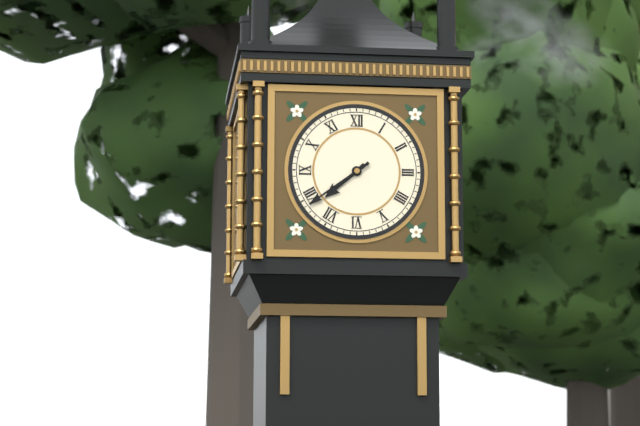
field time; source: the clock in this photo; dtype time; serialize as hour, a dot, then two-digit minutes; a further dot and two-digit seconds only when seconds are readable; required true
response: 7.39
